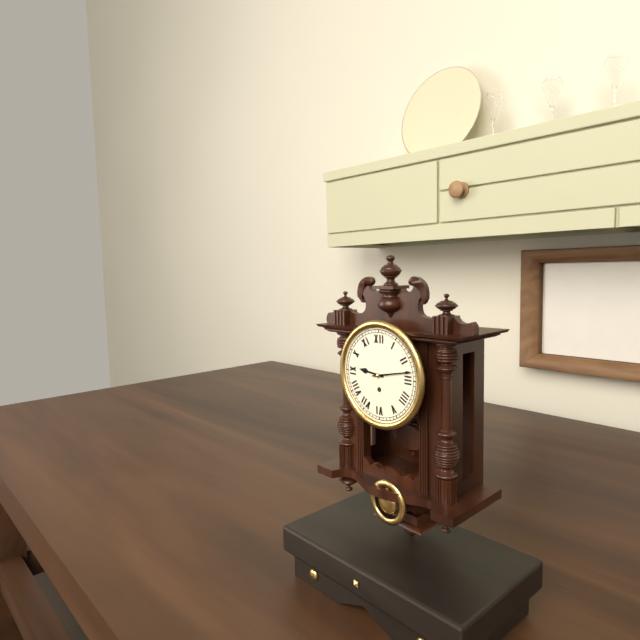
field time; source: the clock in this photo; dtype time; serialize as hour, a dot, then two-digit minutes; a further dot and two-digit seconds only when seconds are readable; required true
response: 9.13
